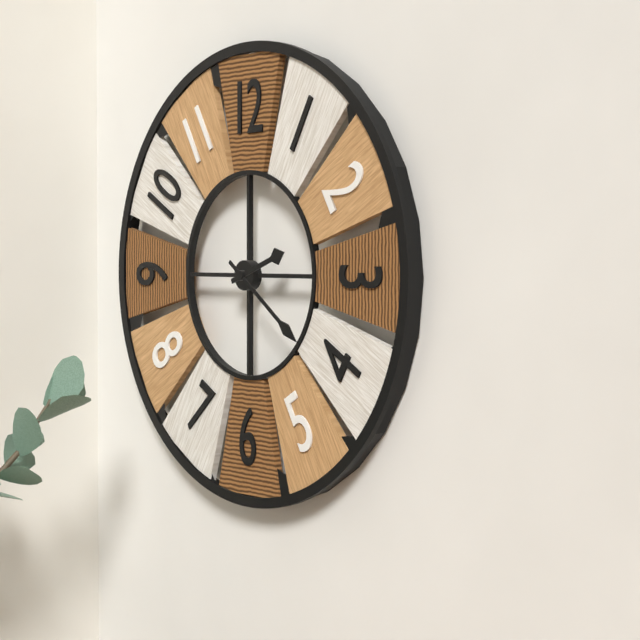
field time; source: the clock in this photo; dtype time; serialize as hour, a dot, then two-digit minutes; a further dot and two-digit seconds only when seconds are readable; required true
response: 2.21
